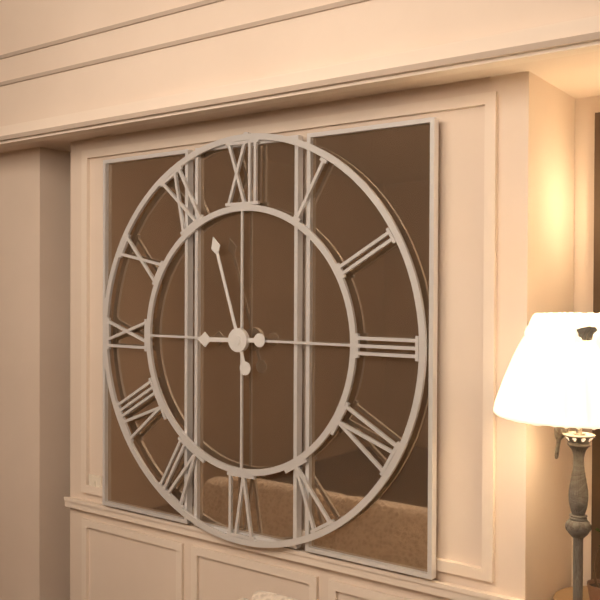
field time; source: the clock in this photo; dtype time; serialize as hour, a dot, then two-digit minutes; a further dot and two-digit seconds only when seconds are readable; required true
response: 8.57
